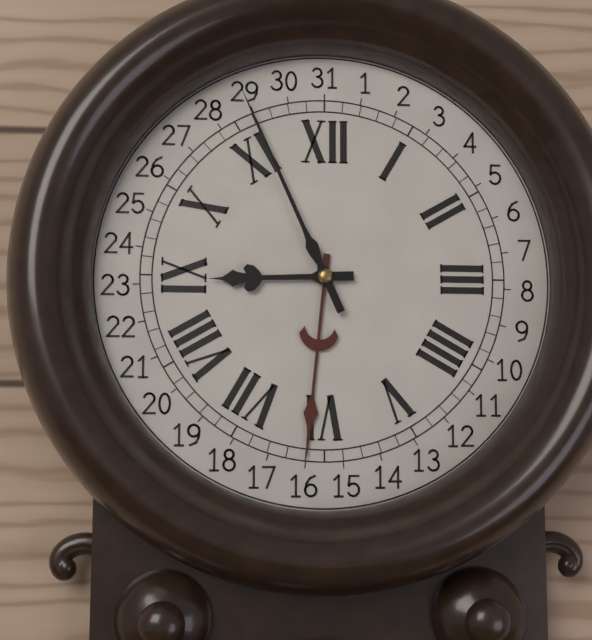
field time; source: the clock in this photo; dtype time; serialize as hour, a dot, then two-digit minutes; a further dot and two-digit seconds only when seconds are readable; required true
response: 8.56
